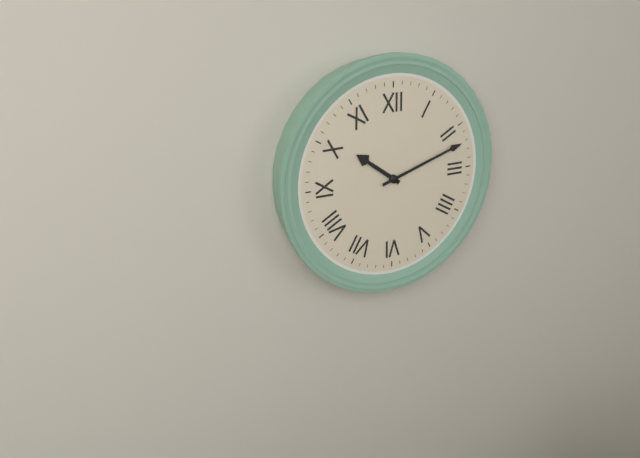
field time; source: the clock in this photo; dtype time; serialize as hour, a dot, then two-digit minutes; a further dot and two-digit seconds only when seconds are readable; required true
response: 10.12
